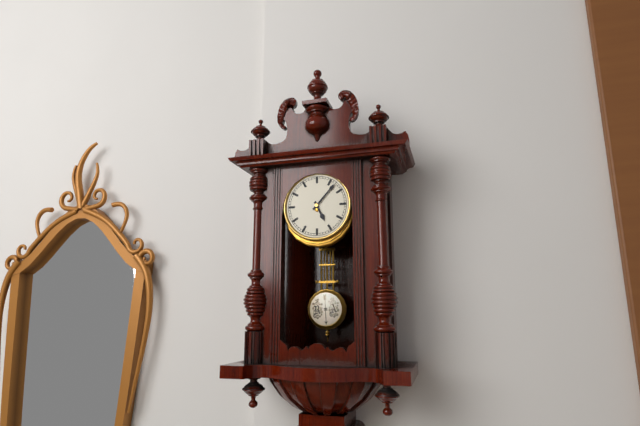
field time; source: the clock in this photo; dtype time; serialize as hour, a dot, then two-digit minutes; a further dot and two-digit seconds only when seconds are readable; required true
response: 5.07
